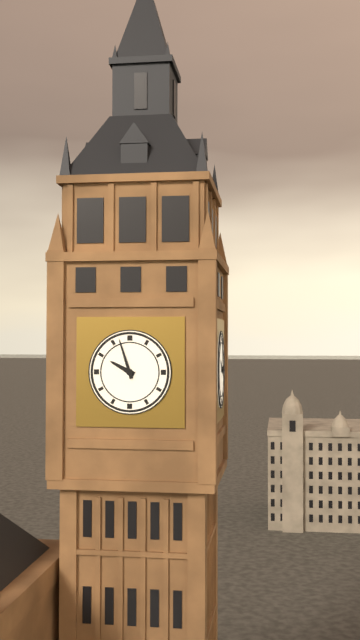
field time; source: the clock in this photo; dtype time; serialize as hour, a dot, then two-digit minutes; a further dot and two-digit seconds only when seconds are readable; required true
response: 9.57
